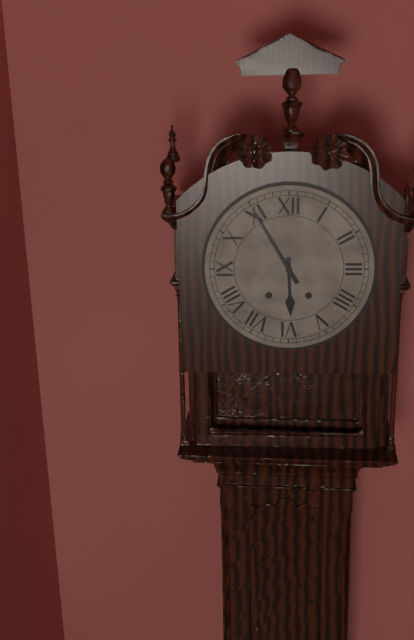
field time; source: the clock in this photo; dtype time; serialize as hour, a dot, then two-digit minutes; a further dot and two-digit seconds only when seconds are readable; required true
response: 5.55
